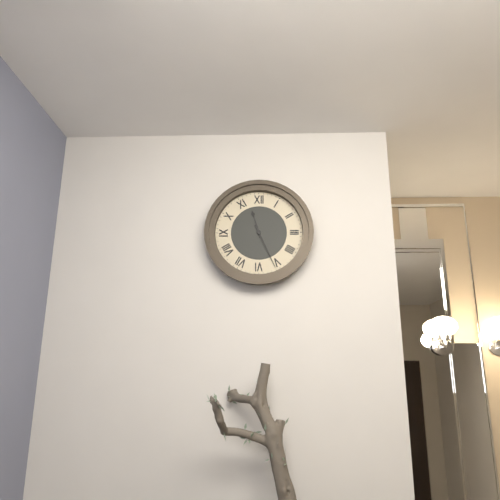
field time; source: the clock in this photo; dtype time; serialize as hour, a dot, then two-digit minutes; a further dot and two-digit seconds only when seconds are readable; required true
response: 11.26
